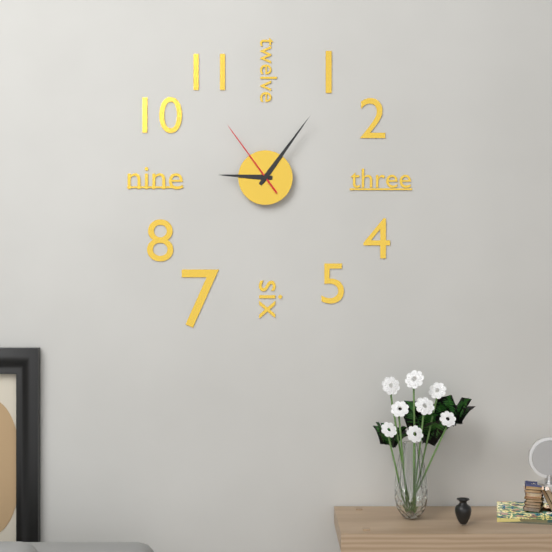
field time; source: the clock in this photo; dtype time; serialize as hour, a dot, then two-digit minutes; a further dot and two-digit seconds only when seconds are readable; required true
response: 9.06.54
